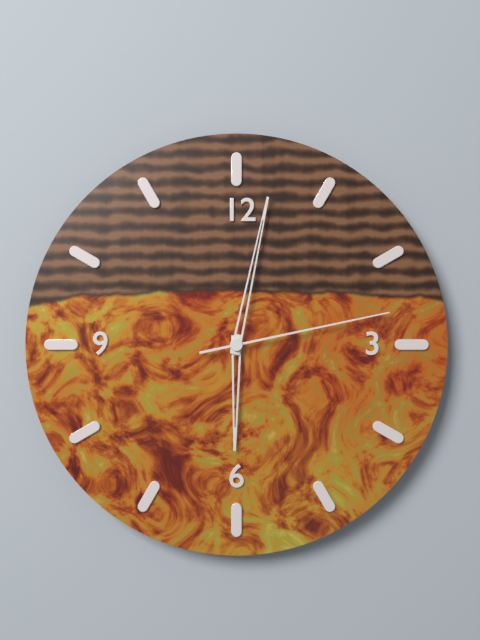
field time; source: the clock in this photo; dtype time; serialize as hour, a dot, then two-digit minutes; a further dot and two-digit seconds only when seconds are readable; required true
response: 6.02.13
